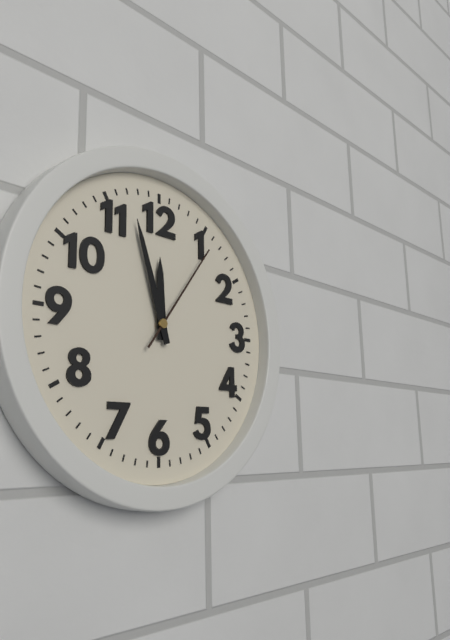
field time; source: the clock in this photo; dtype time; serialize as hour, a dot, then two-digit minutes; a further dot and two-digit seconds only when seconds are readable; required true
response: 11.57.06
